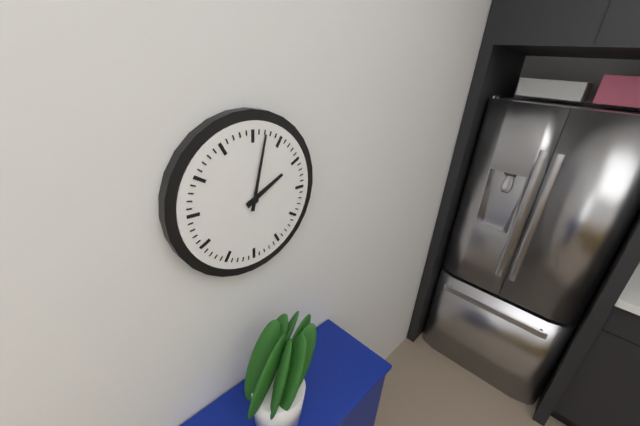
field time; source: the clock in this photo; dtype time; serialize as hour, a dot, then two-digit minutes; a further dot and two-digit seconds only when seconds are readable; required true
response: 2.02
